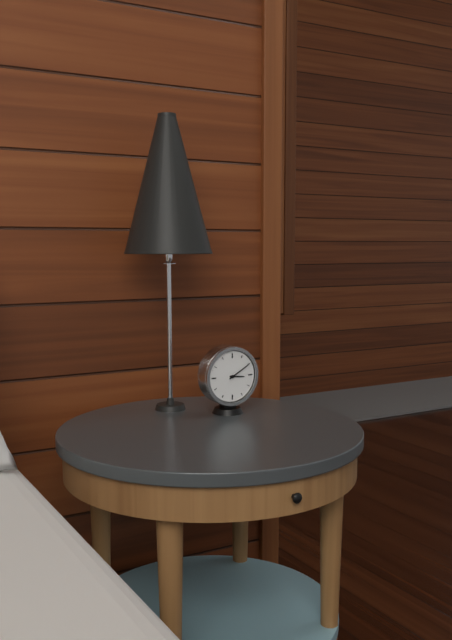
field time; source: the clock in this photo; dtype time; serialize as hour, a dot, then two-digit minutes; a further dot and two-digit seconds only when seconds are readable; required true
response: 3.10
